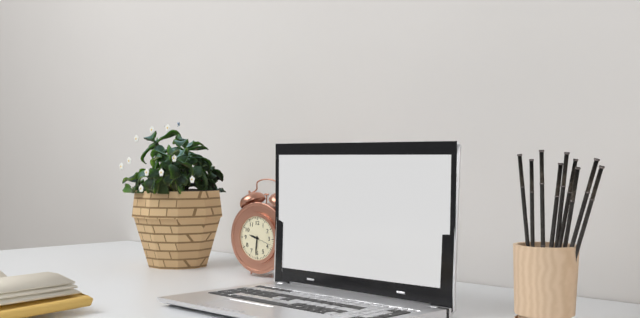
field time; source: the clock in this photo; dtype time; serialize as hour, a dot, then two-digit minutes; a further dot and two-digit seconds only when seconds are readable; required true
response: 9.31
